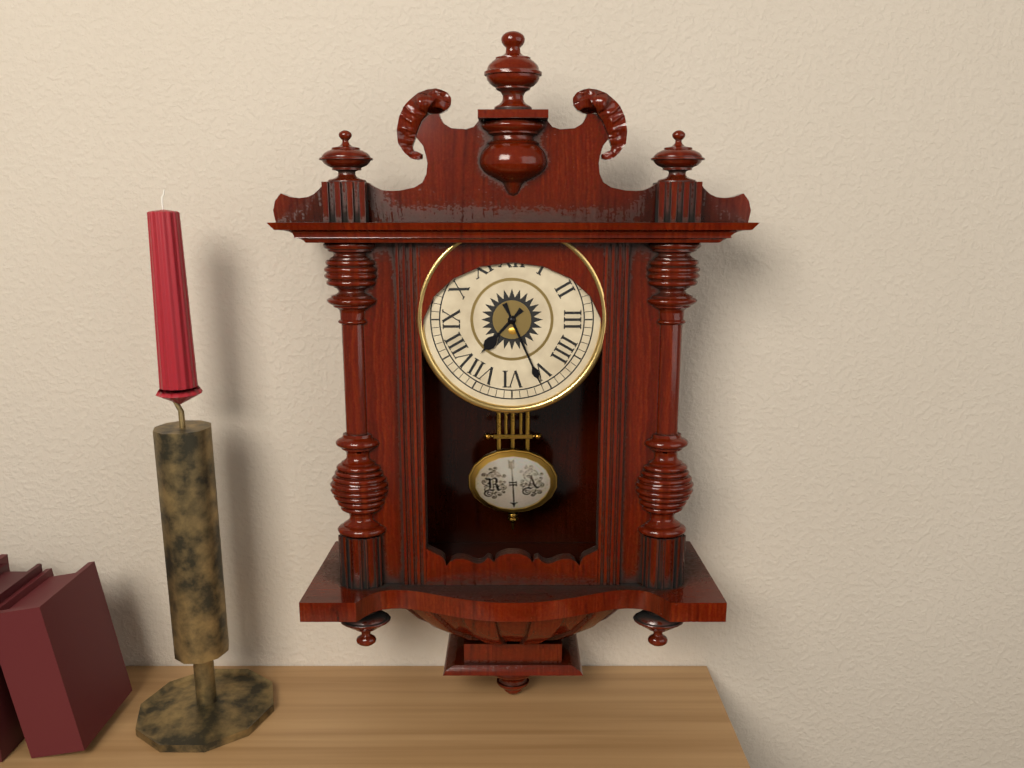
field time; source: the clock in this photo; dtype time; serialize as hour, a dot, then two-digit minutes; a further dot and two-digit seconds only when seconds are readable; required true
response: 7.26
